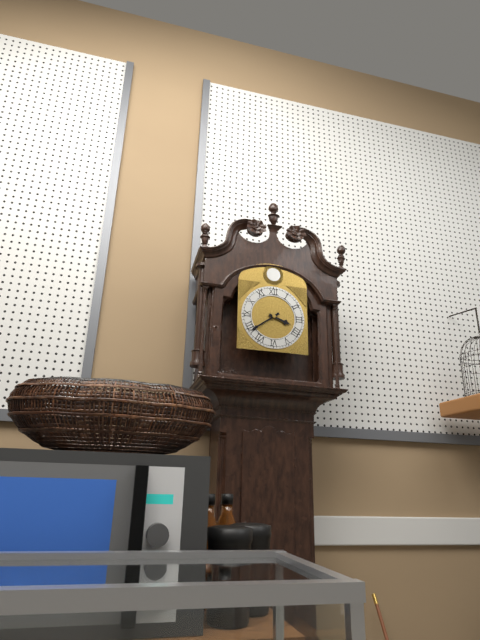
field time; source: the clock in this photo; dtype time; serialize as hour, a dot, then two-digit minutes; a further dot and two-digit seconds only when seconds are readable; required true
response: 3.39
